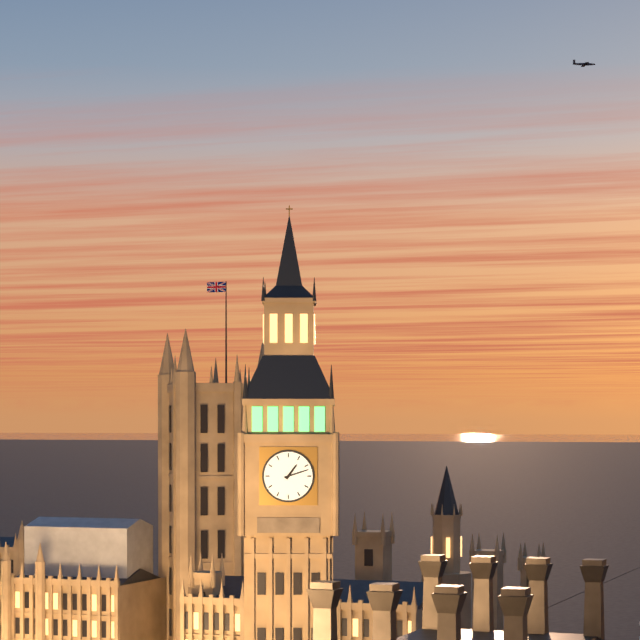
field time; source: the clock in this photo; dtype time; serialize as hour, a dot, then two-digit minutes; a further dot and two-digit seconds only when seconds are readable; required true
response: 1.12
